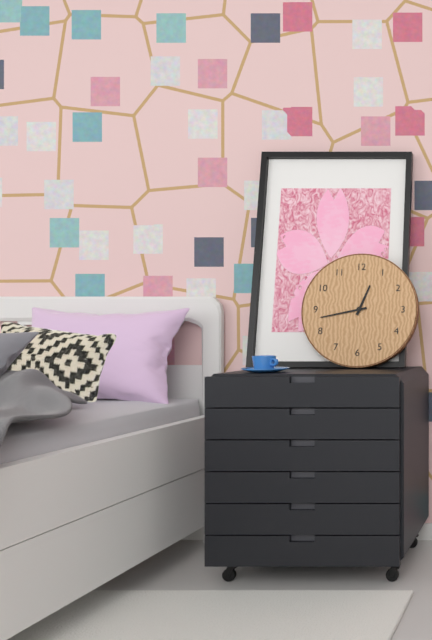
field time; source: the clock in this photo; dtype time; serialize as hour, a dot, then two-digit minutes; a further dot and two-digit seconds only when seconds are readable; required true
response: 12.43
